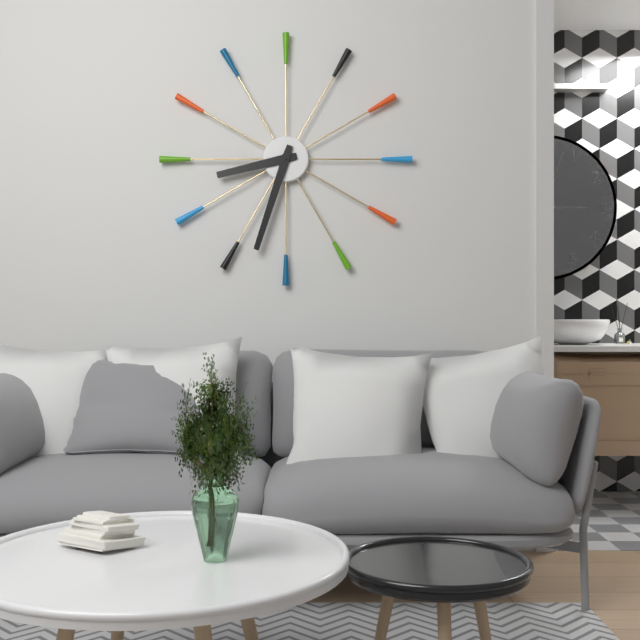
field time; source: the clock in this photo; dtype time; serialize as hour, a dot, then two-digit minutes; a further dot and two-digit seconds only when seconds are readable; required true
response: 8.33
